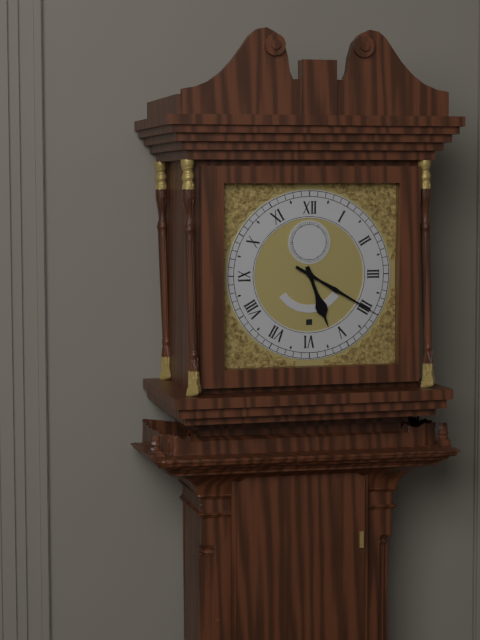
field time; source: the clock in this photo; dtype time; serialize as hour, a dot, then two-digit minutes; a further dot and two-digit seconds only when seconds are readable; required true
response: 5.20
